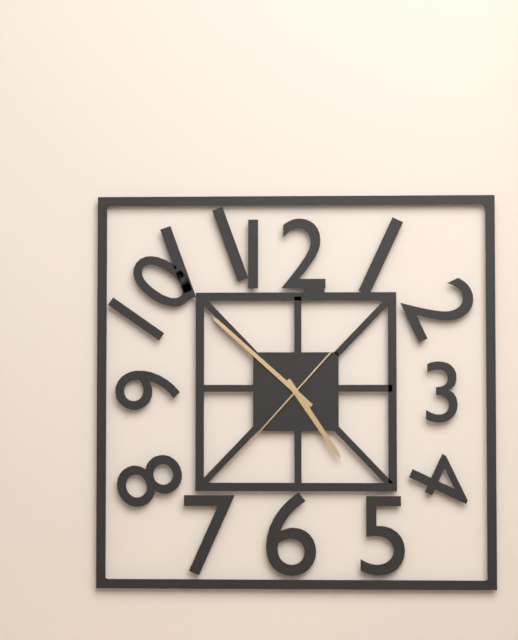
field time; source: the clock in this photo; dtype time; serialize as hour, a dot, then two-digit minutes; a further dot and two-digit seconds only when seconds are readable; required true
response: 4.52.37
